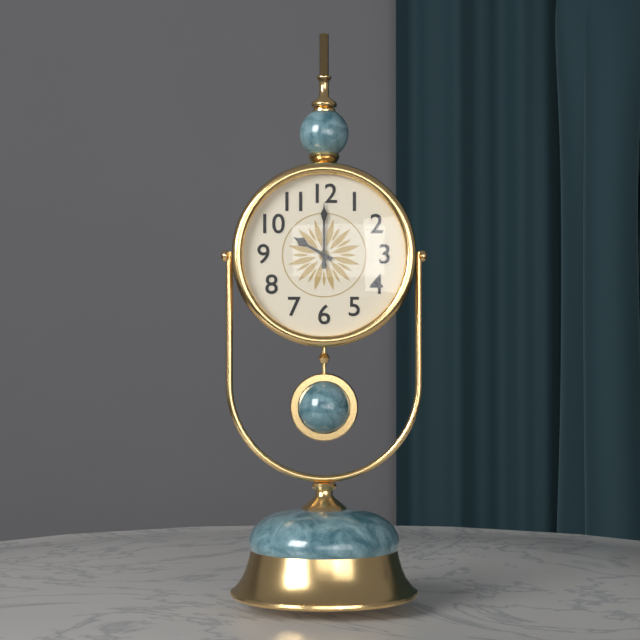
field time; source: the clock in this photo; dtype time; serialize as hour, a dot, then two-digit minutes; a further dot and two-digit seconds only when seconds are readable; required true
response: 10.00
